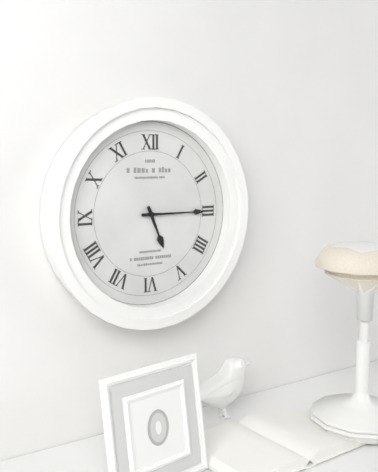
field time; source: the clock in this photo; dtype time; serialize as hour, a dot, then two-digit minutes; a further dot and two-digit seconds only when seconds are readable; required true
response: 5.15
